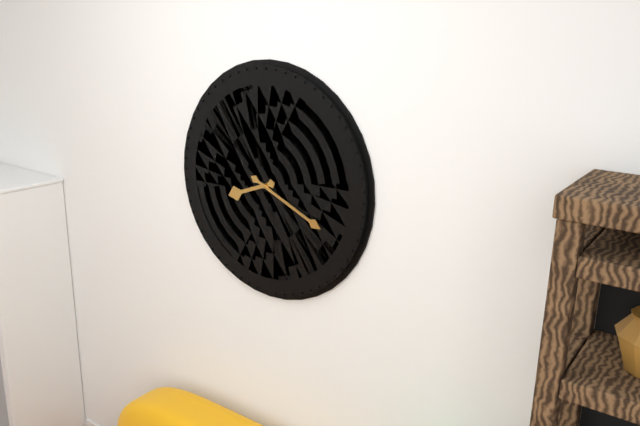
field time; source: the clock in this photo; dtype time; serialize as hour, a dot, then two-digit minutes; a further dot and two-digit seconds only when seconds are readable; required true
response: 8.19
